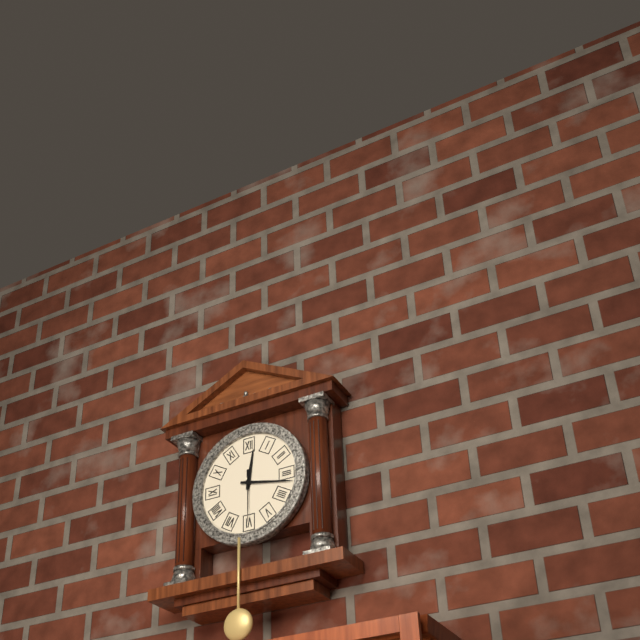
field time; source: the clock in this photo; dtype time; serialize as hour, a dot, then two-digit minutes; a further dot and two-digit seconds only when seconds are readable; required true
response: 12.17
